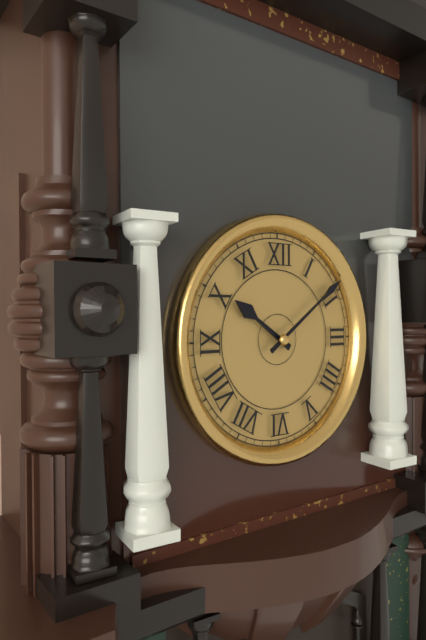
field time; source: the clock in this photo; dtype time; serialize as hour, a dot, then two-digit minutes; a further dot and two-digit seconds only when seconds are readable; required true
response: 10.09
